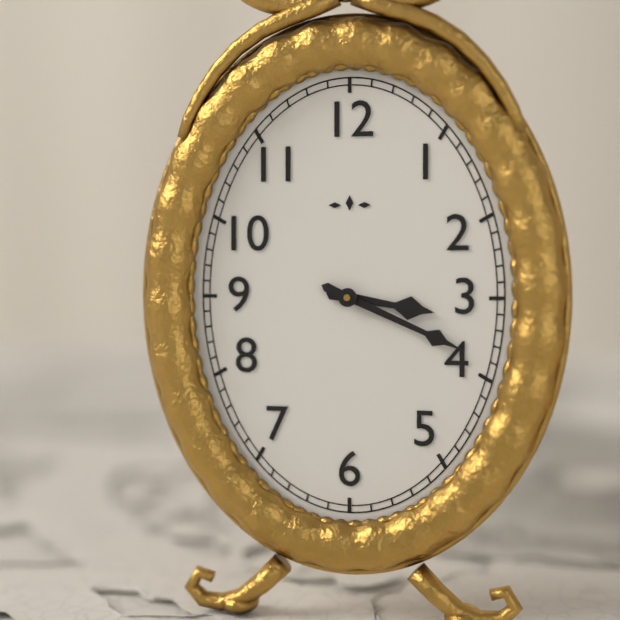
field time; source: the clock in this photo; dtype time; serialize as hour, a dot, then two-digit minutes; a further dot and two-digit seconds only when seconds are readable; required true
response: 3.19
